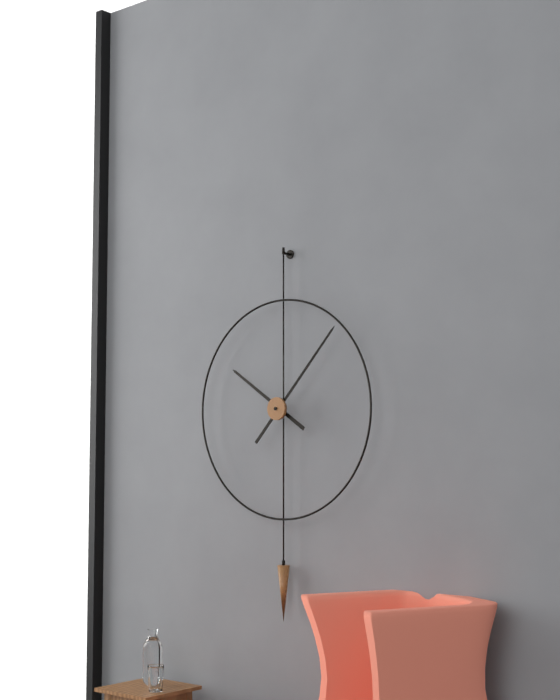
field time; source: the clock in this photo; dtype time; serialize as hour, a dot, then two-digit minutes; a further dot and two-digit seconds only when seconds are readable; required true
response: 10.07
